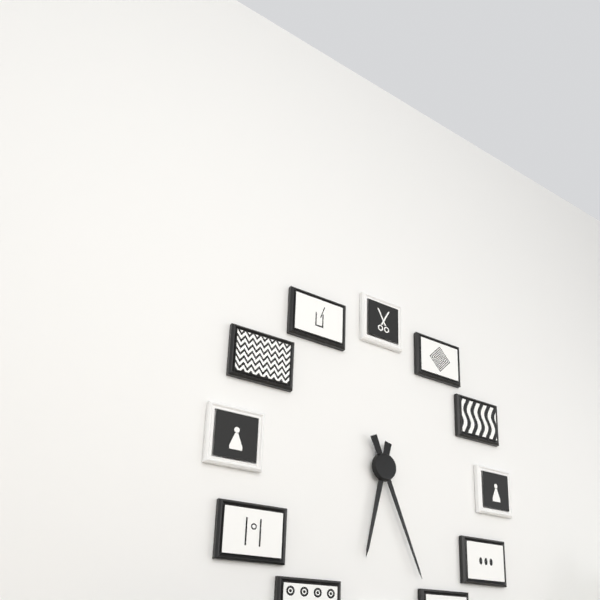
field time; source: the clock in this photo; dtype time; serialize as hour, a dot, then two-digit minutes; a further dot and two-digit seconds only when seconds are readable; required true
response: 6.26
